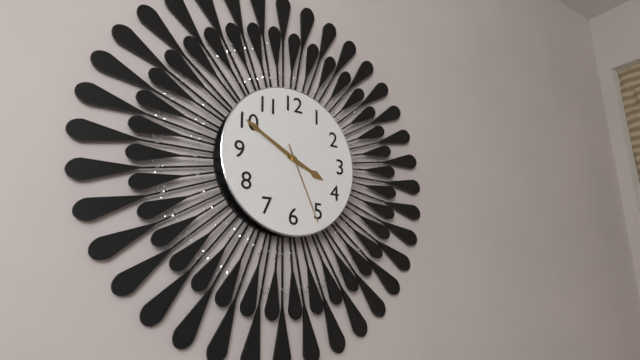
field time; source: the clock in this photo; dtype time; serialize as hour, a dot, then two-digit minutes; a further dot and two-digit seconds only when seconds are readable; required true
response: 3.50.26
